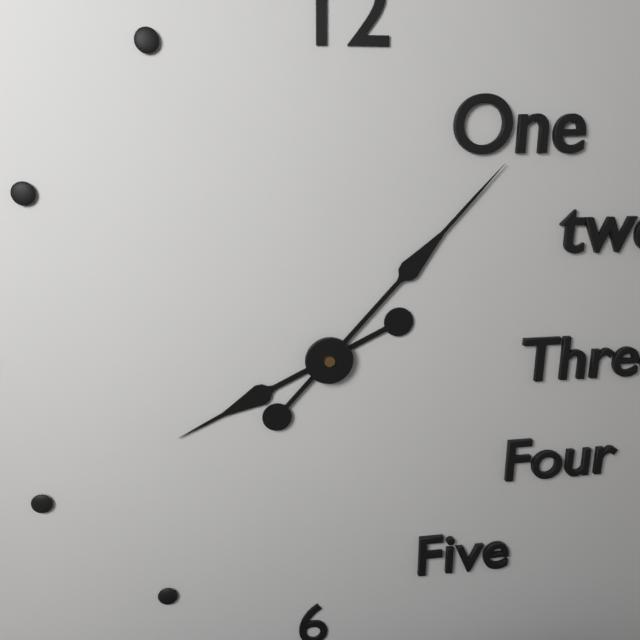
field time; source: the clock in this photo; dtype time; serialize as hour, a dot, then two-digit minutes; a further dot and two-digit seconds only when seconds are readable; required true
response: 8.07
